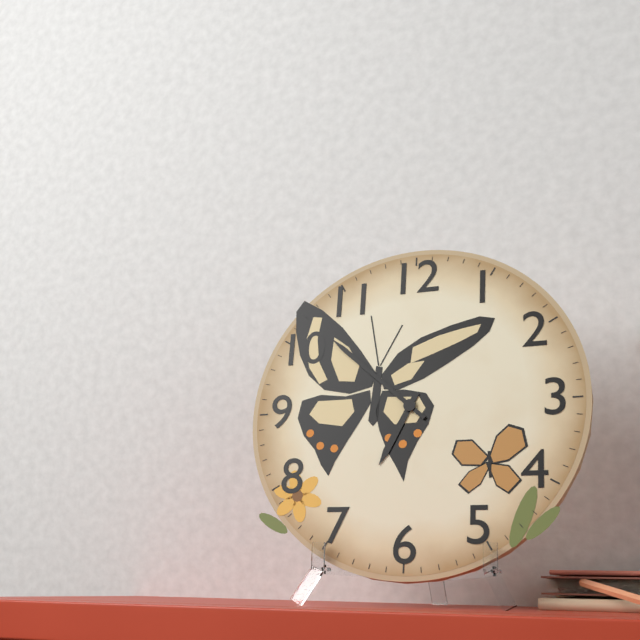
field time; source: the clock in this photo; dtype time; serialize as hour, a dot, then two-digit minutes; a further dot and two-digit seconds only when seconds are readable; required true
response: 6.52
